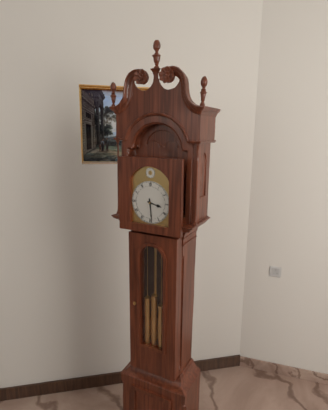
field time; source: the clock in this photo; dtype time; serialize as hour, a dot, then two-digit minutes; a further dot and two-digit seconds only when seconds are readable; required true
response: 3.29
